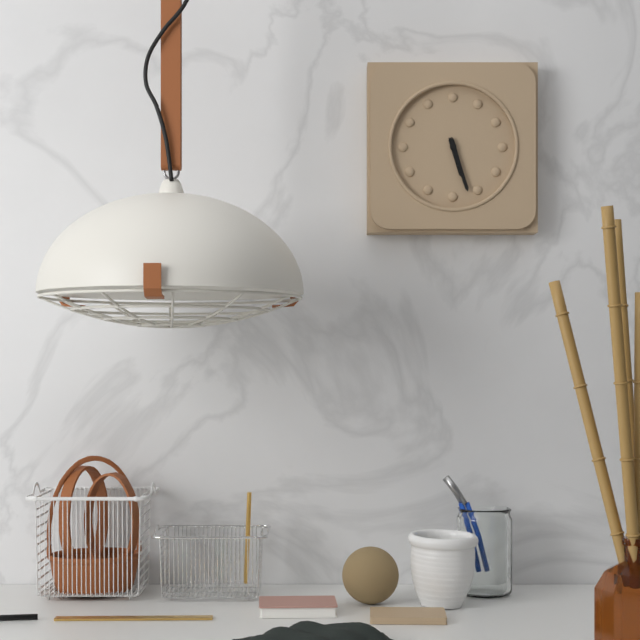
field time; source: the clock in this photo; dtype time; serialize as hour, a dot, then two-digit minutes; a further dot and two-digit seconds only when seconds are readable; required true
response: 5.27
